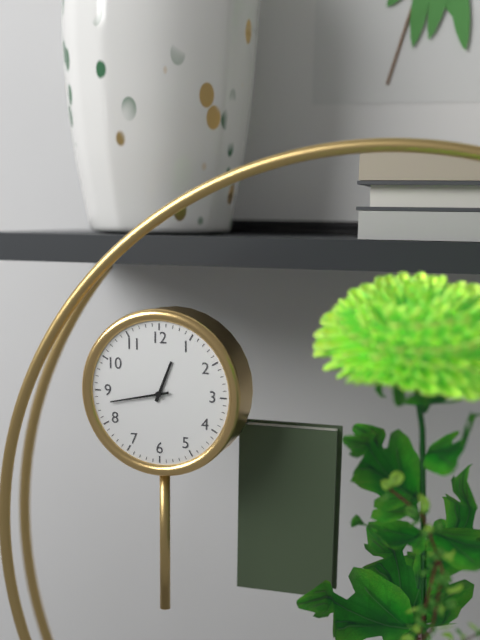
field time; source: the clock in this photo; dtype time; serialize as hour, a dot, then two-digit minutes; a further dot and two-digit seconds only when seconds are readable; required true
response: 12.43
